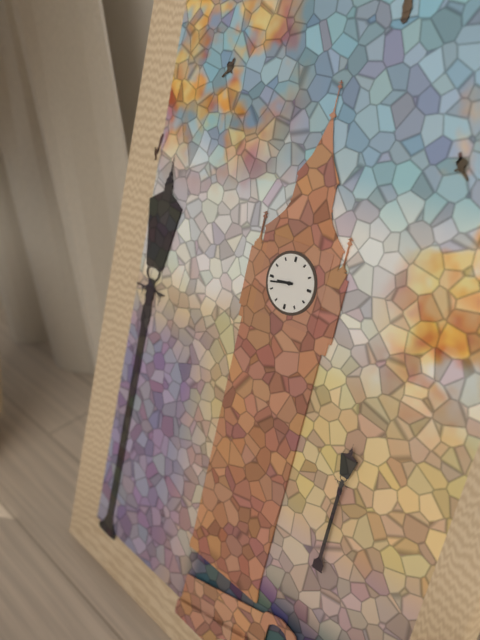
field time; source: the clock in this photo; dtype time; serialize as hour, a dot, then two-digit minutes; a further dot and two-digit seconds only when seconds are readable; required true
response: 8.43
